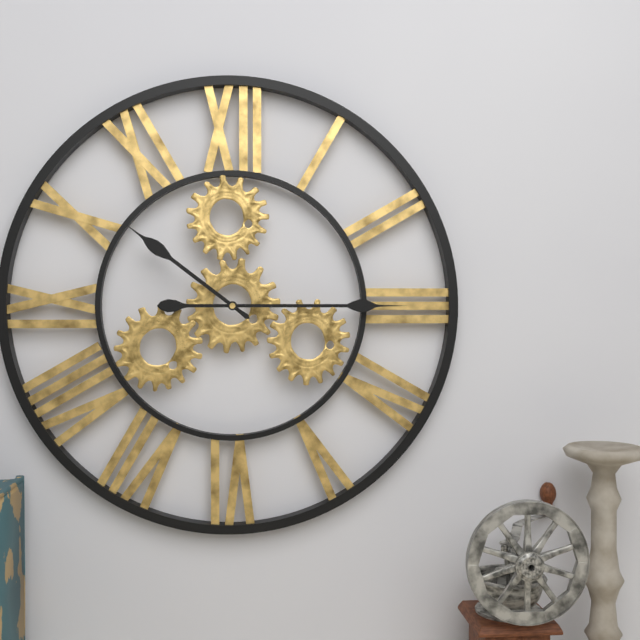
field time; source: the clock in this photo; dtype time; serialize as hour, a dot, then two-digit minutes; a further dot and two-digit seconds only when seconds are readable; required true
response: 10.15
